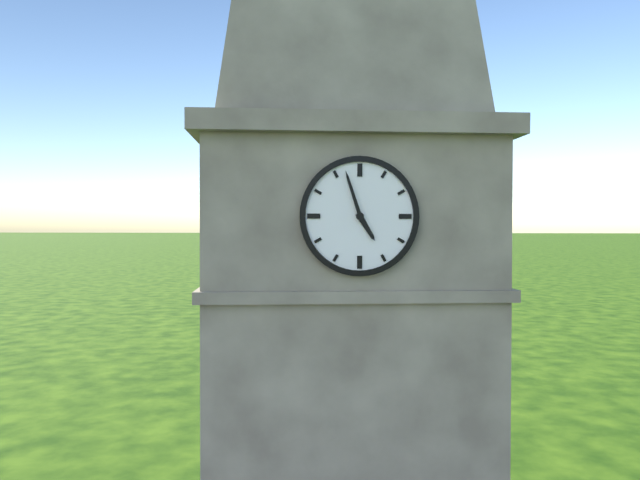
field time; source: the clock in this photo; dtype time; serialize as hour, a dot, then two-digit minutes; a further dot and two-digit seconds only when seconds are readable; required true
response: 4.57
